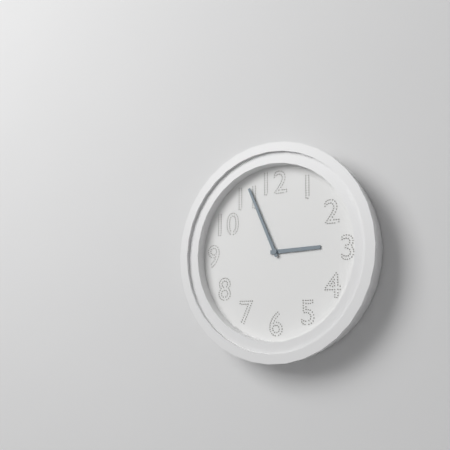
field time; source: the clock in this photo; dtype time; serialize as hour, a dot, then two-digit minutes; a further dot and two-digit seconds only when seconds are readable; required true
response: 2.56
